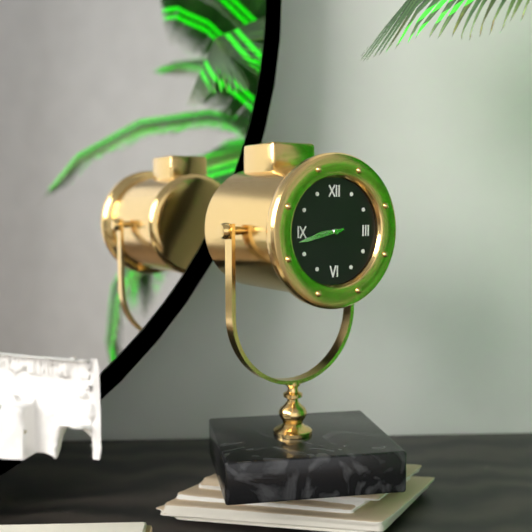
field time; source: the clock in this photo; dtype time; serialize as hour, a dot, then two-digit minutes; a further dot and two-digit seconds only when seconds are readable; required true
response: 8.43
